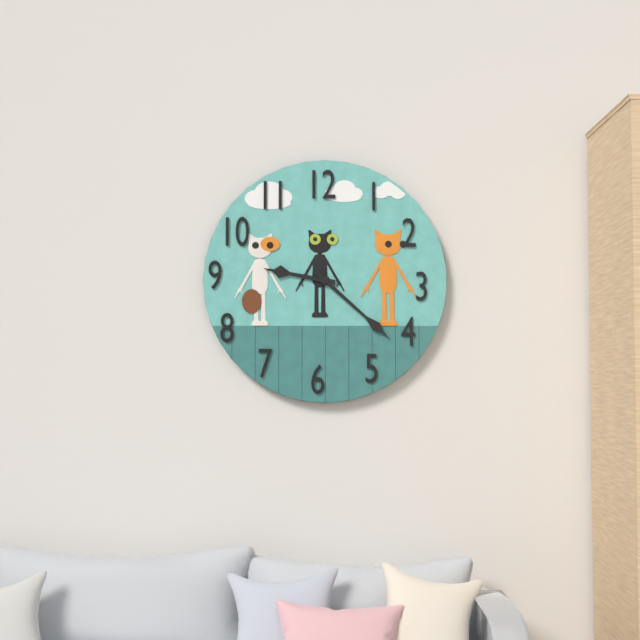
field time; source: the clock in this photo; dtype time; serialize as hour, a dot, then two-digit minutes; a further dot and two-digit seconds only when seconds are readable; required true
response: 9.22
